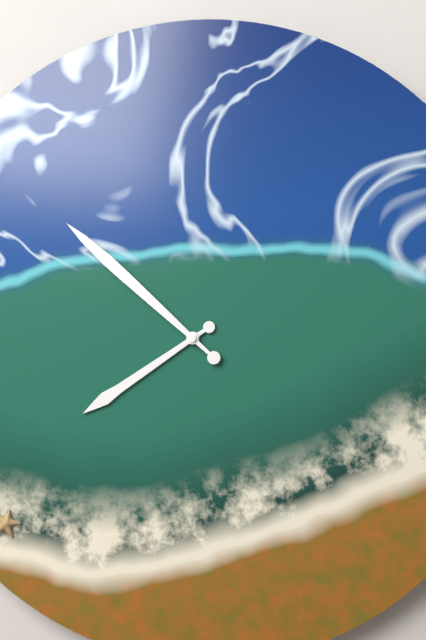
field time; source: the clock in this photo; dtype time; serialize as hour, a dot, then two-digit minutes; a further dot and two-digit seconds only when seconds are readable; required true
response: 7.52
